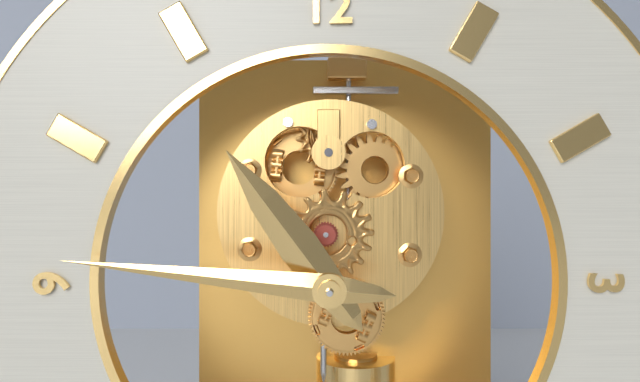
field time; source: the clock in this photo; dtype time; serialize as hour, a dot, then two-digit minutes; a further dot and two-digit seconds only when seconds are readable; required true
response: 10.46
